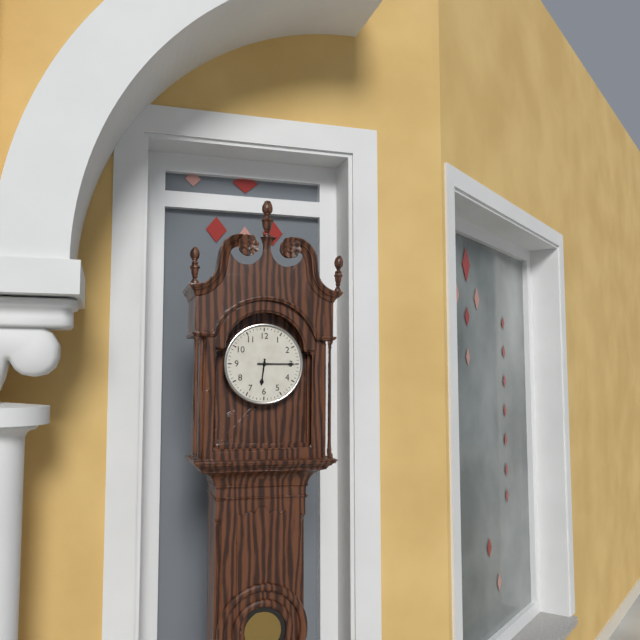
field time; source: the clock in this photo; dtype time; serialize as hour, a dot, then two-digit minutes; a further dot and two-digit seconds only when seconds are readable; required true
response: 6.15
